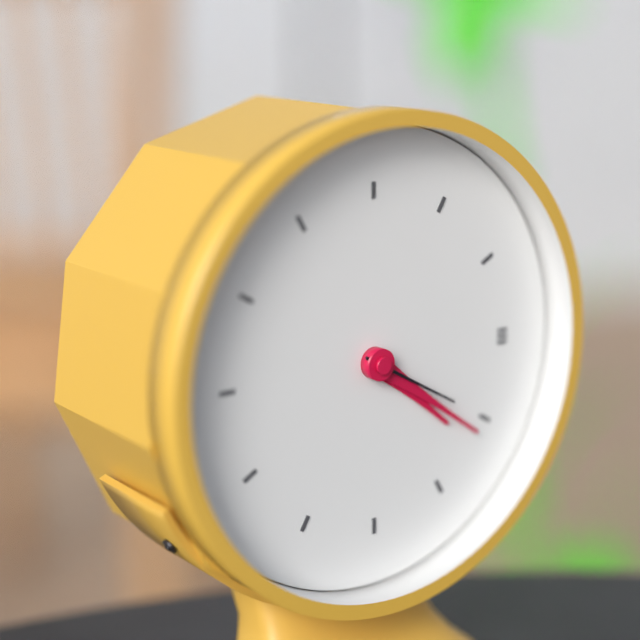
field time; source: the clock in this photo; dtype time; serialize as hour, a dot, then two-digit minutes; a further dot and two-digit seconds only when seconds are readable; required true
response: 4.21.20
